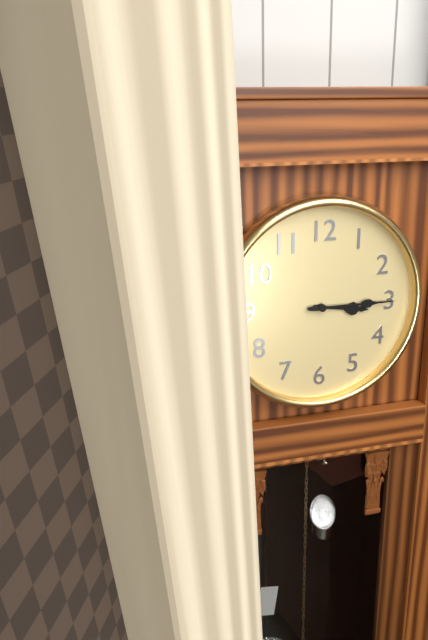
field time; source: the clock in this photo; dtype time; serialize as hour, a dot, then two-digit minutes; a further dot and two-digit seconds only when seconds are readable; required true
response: 3.15
